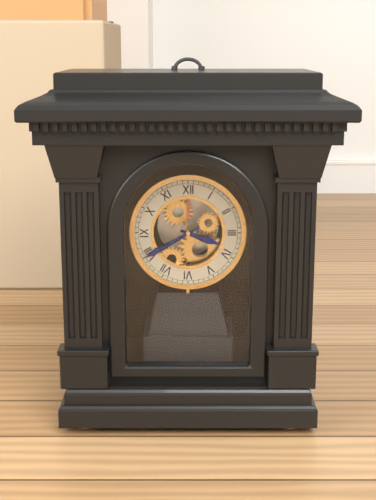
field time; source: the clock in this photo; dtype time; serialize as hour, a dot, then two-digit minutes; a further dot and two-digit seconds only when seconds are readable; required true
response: 3.40
